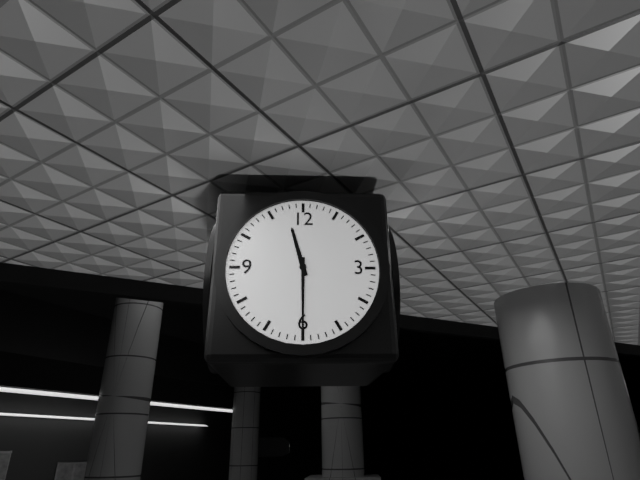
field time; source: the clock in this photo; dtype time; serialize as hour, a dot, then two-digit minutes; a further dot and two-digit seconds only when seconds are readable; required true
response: 11.30
